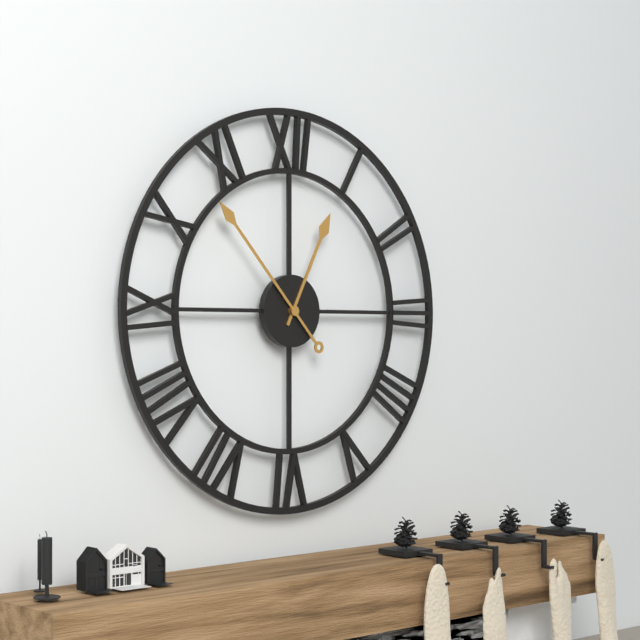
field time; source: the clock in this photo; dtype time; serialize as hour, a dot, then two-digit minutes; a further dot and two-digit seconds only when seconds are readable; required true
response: 12.53
